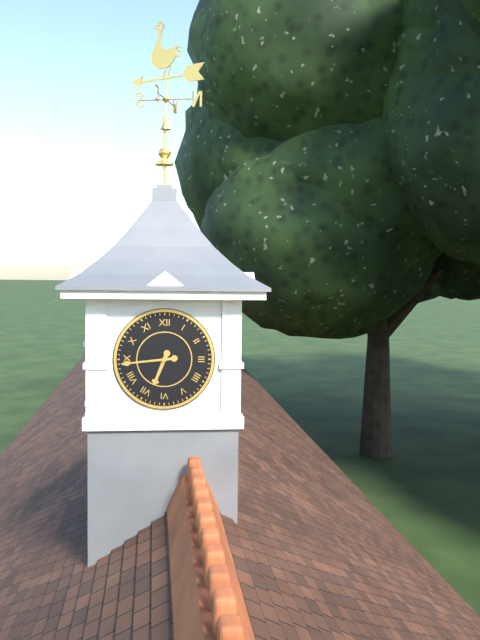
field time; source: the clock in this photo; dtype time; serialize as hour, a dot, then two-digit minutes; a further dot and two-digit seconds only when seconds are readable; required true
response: 6.44
